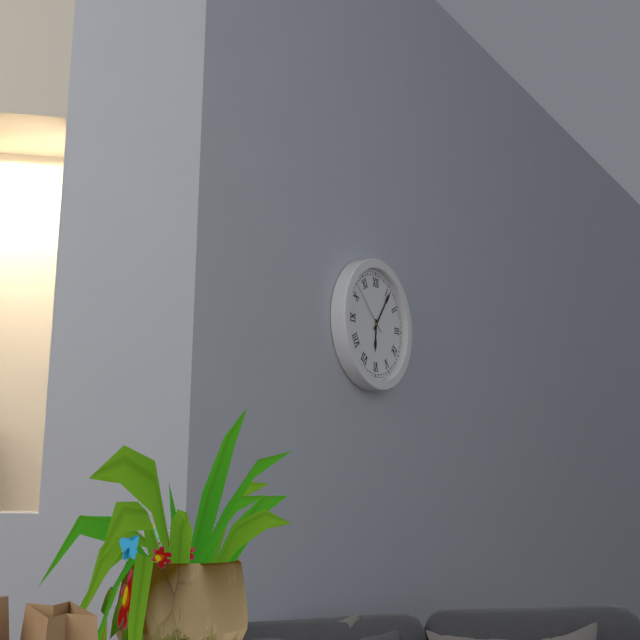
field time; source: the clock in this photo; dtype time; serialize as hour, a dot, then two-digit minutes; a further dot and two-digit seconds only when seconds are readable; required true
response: 6.06.52
